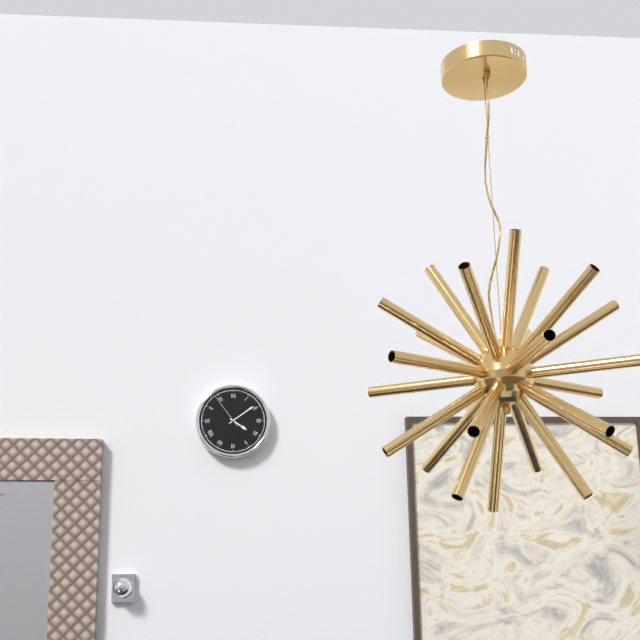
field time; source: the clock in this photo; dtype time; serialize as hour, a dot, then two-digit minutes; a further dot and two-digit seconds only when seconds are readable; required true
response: 4.09
